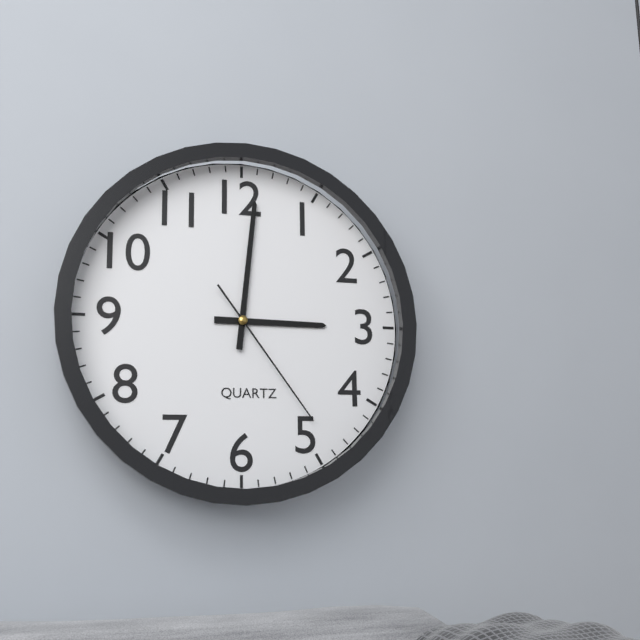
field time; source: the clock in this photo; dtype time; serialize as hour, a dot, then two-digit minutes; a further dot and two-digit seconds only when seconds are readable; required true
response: 3.01.24
